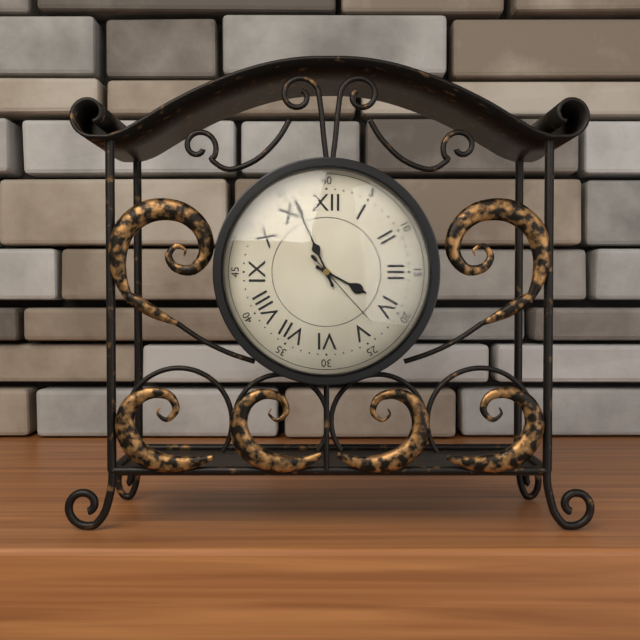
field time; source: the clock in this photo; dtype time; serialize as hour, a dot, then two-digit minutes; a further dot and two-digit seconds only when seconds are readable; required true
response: 3.56.23
